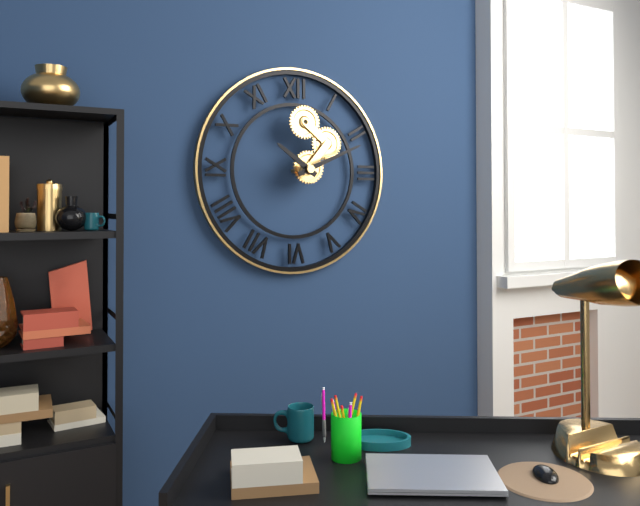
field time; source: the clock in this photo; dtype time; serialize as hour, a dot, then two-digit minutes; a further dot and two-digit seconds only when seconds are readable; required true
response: 10.11
